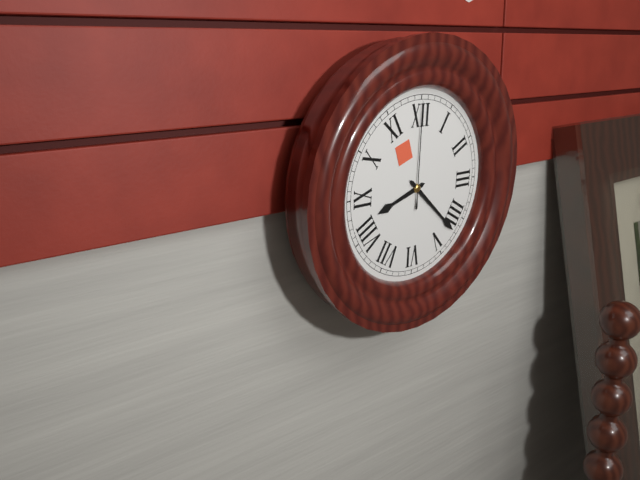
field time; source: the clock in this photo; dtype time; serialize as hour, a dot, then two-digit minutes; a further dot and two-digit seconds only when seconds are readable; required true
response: 8.22.00
